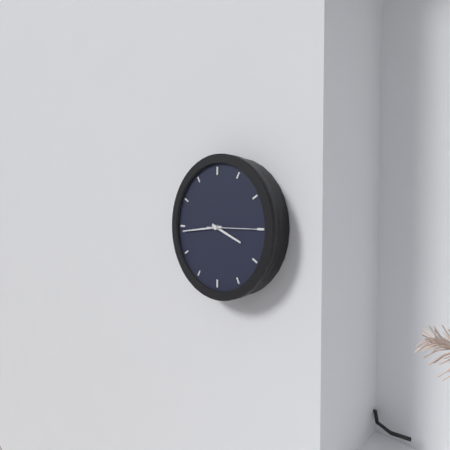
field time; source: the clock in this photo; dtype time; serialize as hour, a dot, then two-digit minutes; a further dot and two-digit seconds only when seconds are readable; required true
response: 3.44.15
